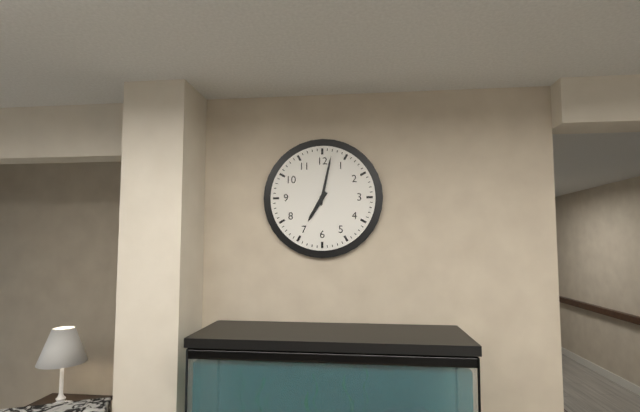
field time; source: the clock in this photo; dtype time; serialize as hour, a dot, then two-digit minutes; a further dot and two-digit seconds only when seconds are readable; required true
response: 7.02
